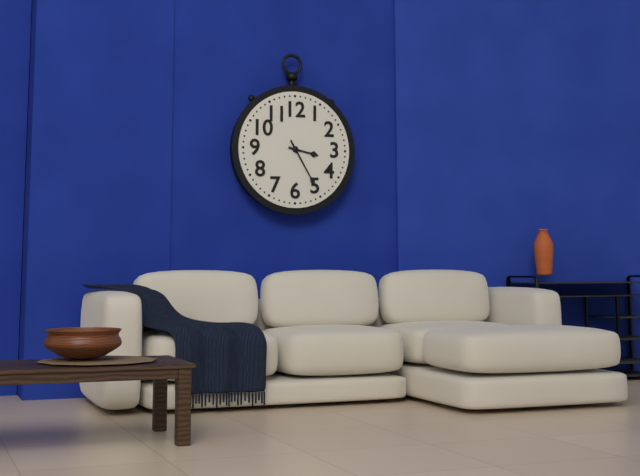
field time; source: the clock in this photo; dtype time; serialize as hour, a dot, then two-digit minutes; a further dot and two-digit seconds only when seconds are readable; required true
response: 3.25
